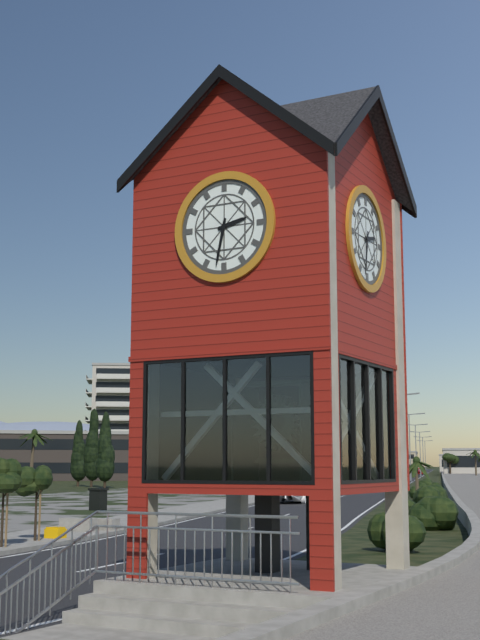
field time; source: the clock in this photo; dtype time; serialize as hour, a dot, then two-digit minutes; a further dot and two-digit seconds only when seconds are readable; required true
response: 2.32
